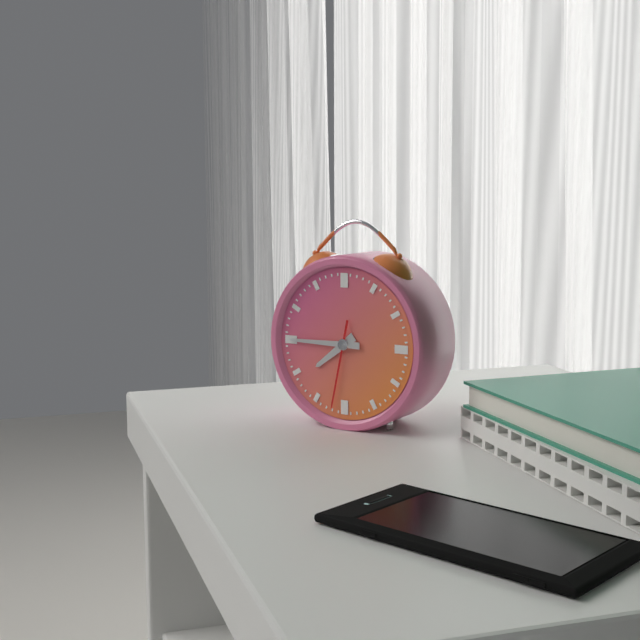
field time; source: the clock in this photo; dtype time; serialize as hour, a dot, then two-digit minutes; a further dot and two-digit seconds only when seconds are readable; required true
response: 7.45.32
